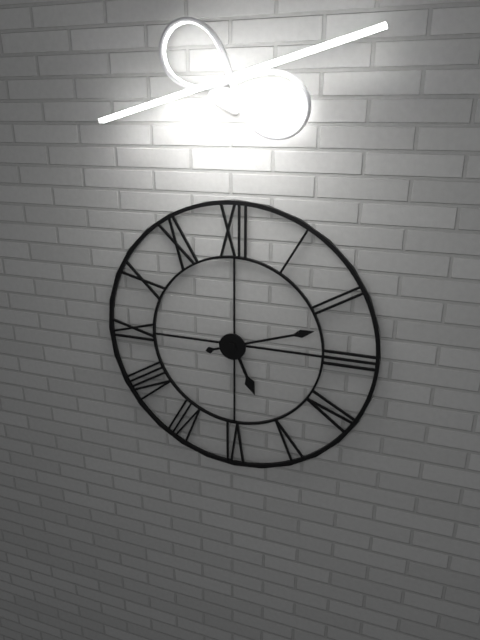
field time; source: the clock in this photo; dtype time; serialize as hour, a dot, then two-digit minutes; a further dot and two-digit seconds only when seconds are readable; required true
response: 5.12
